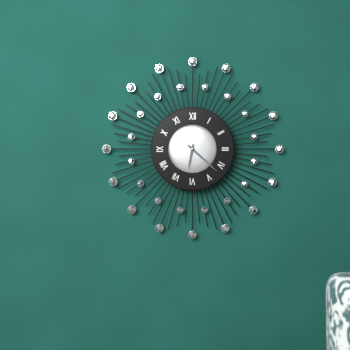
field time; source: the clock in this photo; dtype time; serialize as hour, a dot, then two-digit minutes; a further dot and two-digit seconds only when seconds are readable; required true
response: 6.22
